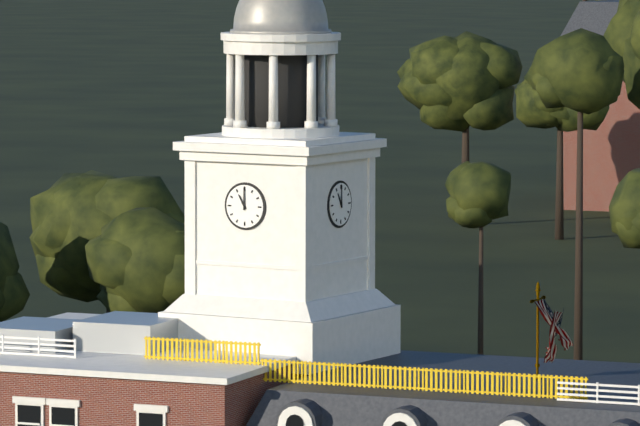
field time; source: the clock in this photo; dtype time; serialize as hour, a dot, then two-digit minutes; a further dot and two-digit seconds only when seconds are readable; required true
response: 11.00
